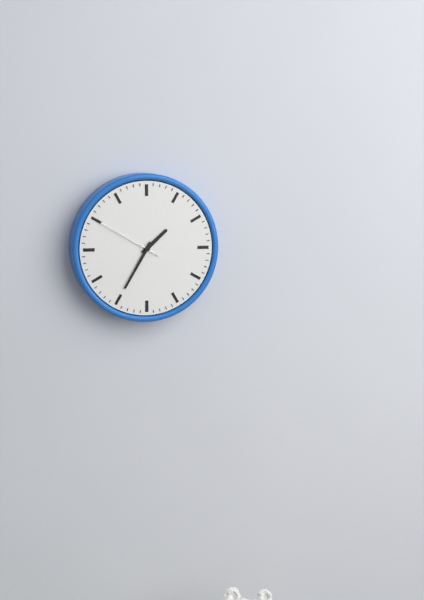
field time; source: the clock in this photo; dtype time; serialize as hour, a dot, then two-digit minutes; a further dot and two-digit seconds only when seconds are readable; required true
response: 1.35.50
